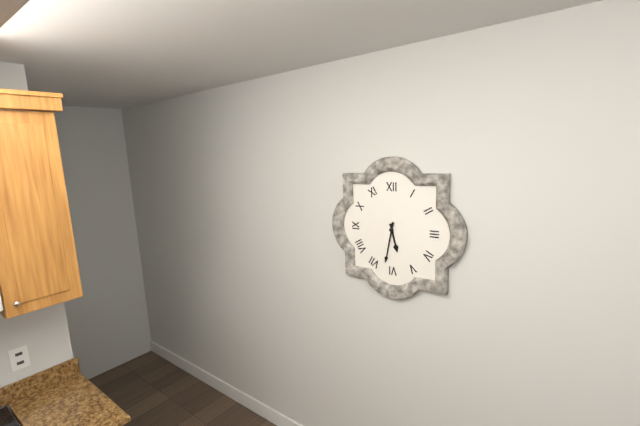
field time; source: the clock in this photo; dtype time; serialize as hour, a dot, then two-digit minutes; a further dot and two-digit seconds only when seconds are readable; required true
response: 5.32
